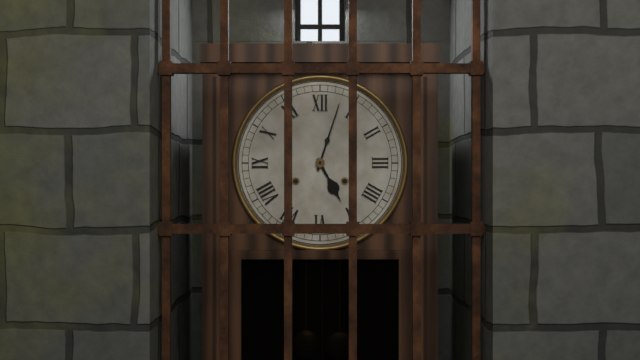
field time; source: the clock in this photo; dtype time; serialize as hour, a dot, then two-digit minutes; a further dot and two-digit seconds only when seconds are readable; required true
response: 5.03
